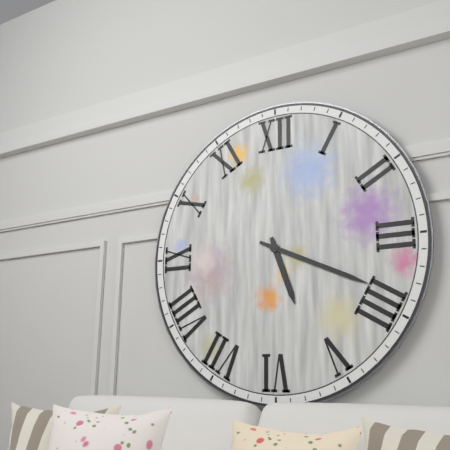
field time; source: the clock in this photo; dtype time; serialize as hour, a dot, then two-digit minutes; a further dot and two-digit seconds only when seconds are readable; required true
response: 5.19
